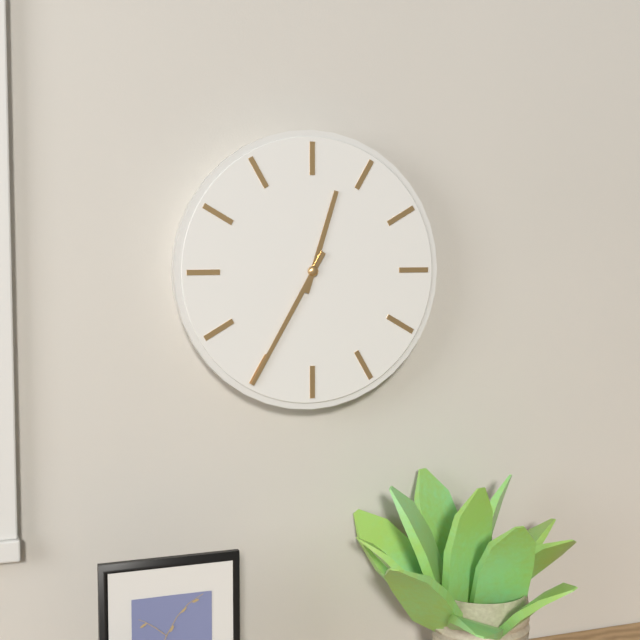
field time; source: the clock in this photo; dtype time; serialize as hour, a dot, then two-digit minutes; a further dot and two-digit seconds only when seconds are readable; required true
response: 12.35
